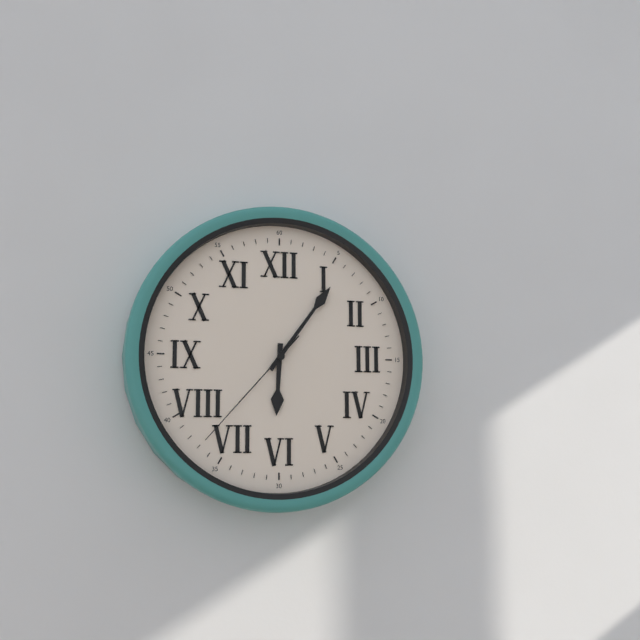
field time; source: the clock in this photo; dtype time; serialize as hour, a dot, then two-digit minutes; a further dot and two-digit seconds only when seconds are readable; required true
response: 6.06.37
